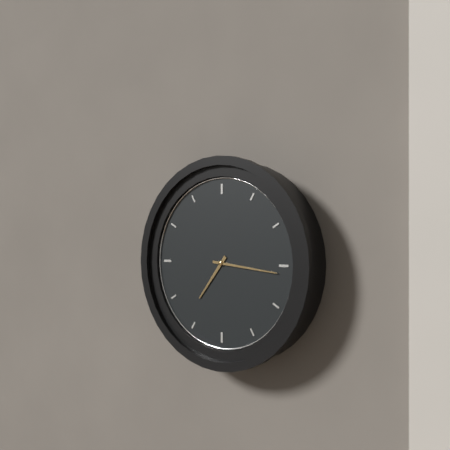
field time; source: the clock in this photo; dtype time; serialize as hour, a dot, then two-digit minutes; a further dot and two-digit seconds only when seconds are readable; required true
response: 7.16
